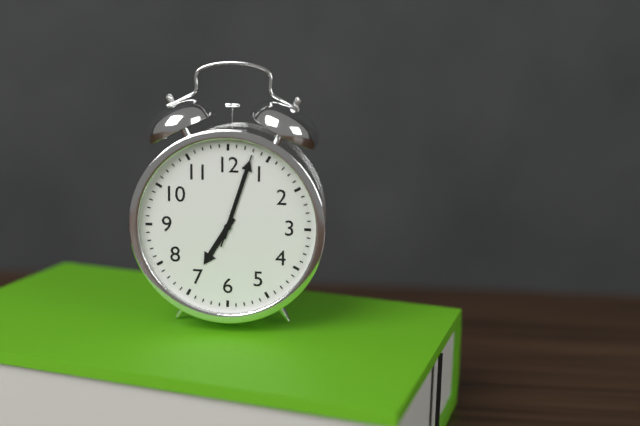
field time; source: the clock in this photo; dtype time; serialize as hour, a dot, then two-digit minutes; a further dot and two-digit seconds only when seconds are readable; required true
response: 7.03.03
